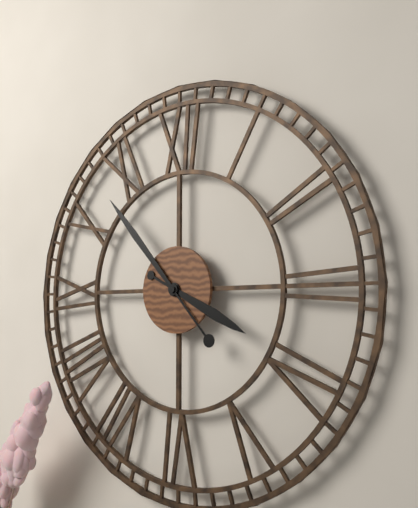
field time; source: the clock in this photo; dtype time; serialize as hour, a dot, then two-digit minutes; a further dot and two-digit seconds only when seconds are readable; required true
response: 3.53
